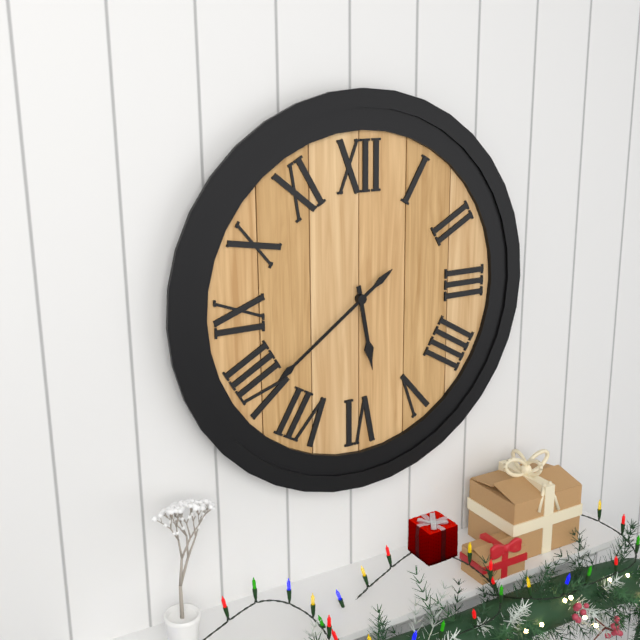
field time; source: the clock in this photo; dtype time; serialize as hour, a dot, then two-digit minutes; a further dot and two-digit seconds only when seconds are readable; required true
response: 5.39
